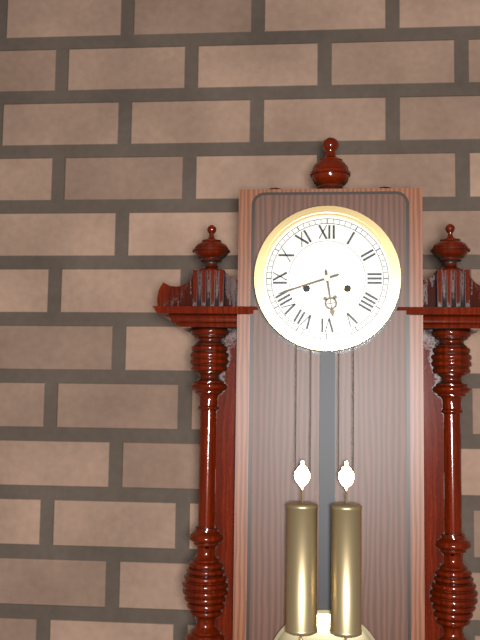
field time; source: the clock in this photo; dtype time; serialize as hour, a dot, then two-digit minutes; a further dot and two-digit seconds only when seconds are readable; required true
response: 5.42
